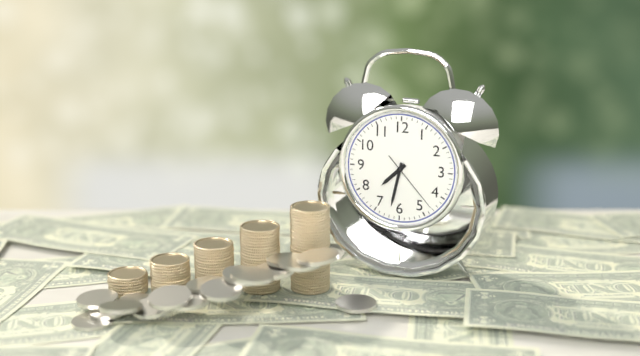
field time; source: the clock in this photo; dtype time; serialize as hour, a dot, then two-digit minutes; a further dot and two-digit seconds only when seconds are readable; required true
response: 7.32.23
